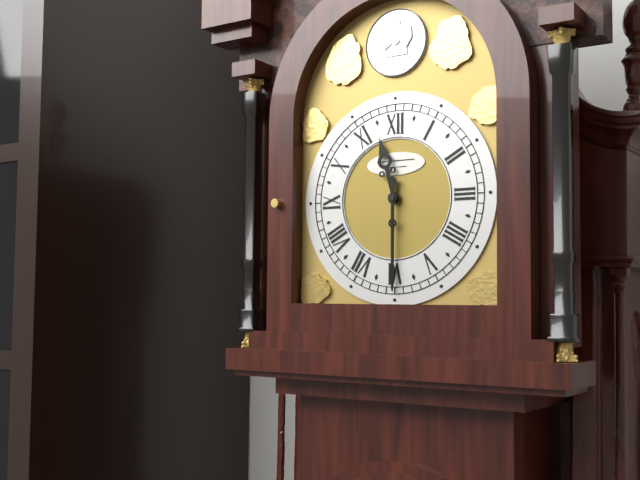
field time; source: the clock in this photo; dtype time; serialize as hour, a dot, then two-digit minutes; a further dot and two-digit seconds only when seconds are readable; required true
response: 11.30
